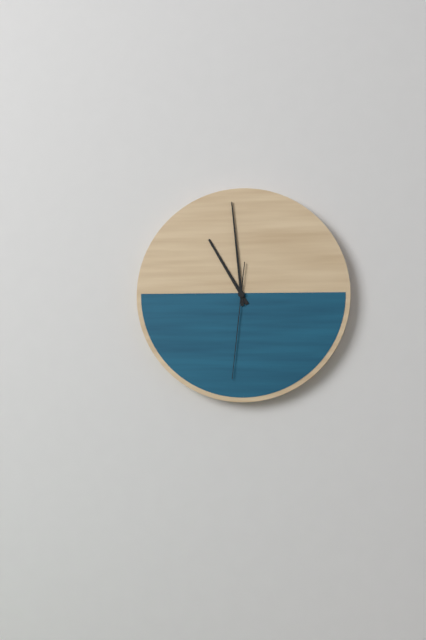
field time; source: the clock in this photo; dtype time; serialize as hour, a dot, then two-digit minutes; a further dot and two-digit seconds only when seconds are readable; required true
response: 10.59.31
